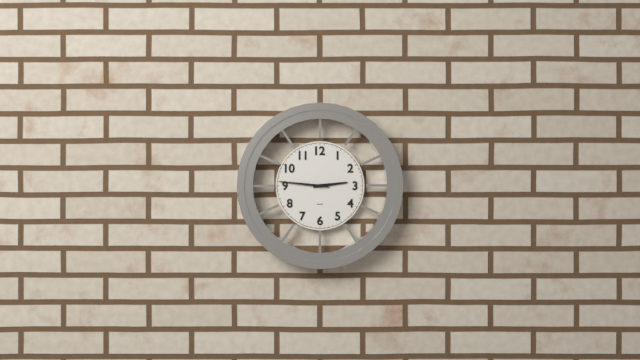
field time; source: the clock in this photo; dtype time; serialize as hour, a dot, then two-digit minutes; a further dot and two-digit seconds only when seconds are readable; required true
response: 2.46
